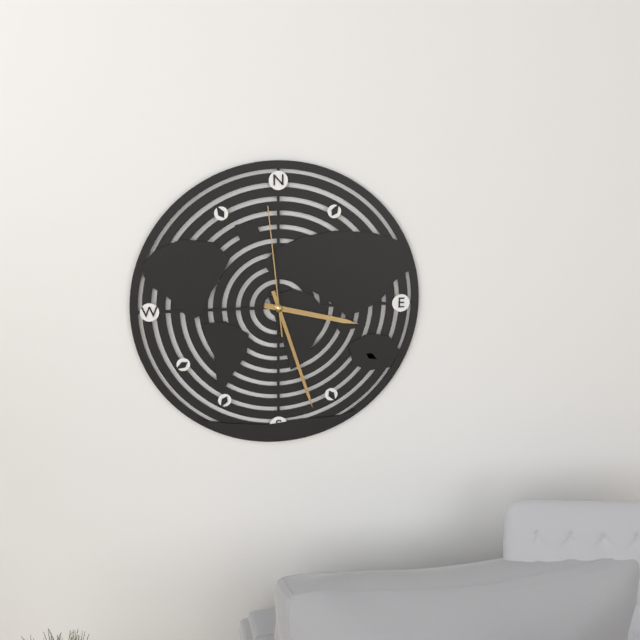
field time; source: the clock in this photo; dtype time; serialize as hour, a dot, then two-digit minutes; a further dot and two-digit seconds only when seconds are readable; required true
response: 3.27.59
